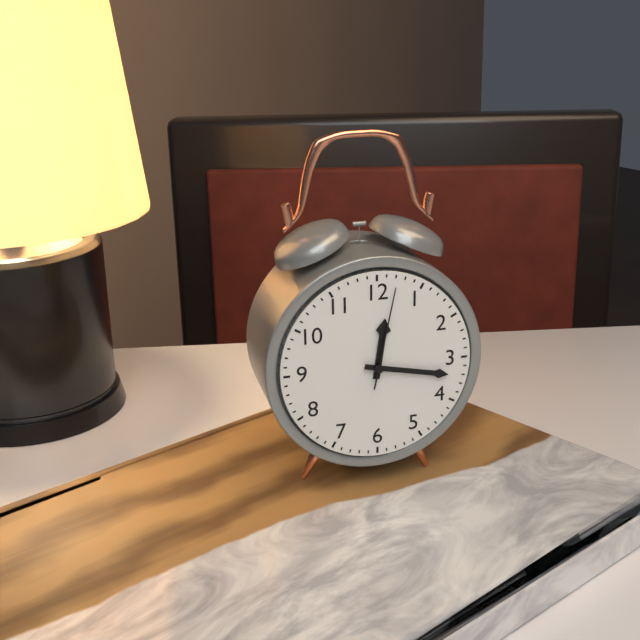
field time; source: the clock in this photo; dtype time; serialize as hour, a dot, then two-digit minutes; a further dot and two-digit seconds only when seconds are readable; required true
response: 12.17.02
